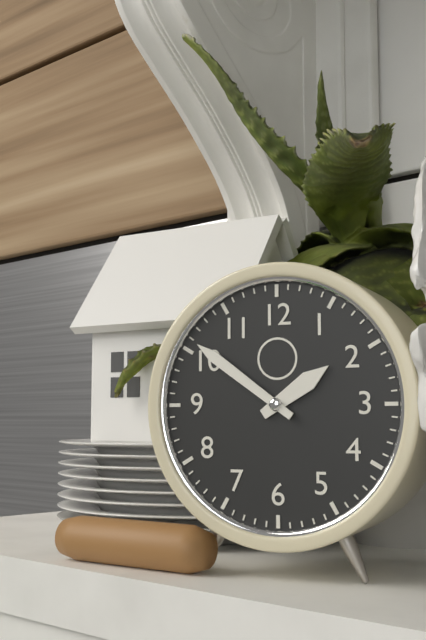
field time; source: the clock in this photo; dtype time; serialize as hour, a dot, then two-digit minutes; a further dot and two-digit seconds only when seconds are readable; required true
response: 1.51
